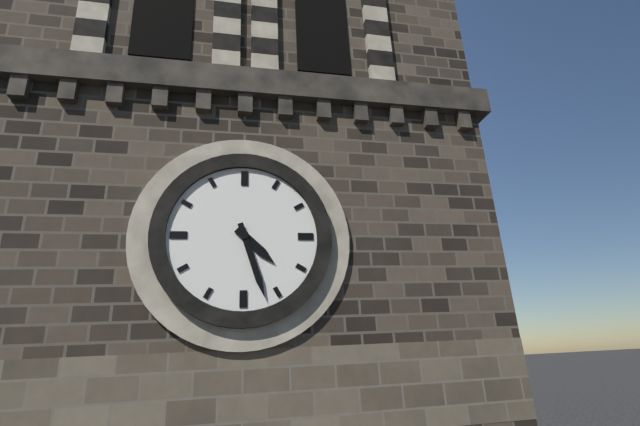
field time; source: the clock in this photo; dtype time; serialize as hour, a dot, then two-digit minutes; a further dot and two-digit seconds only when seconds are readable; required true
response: 4.27
